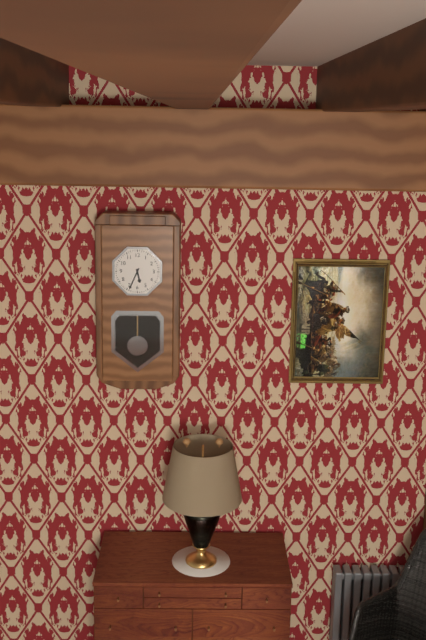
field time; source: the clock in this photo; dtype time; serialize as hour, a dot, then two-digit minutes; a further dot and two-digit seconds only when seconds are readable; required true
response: 5.34
